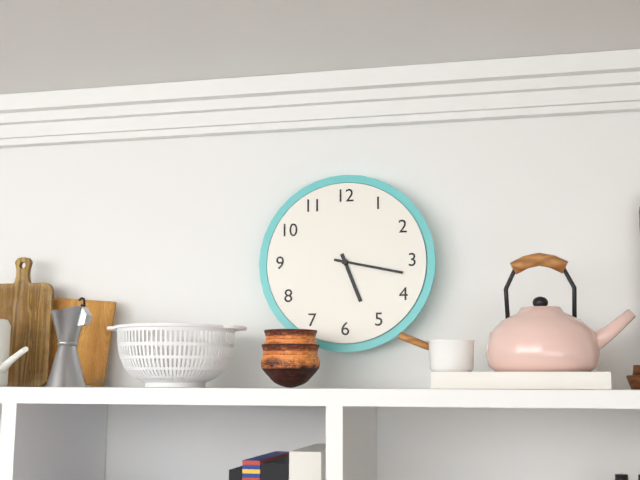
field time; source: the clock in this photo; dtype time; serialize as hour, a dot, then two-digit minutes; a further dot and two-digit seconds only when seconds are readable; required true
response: 5.17
